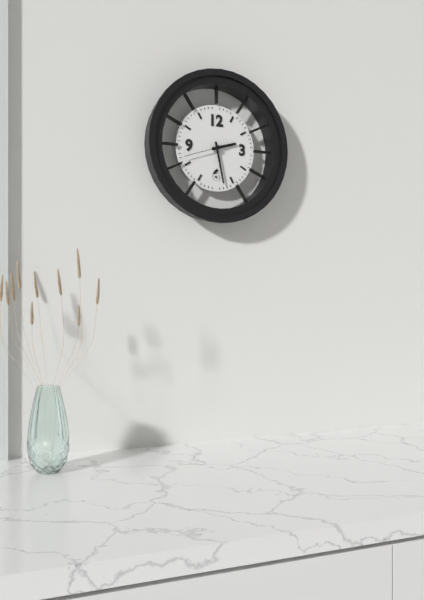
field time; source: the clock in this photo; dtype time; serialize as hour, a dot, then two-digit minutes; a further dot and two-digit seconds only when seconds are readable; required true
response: 2.28
